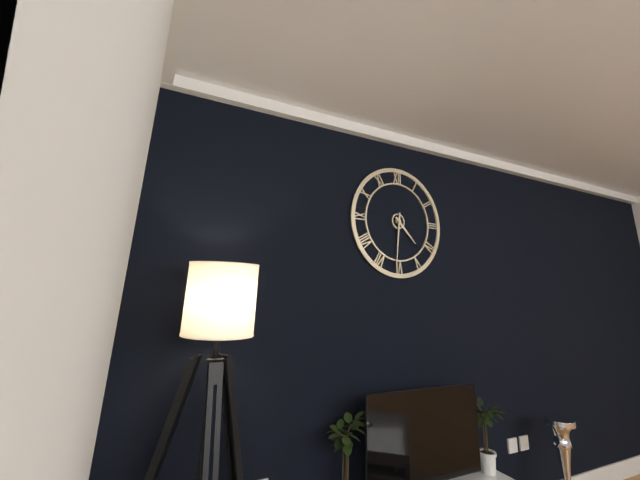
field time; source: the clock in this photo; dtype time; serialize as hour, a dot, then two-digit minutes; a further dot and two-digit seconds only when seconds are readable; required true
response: 4.31
